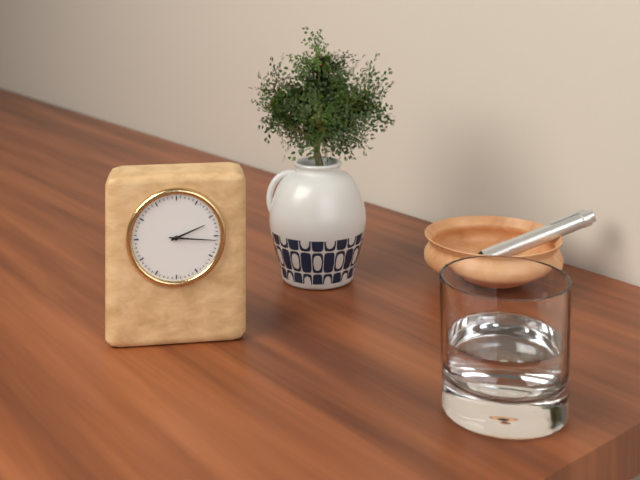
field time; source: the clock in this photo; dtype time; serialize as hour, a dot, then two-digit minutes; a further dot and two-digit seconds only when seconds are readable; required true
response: 2.16
